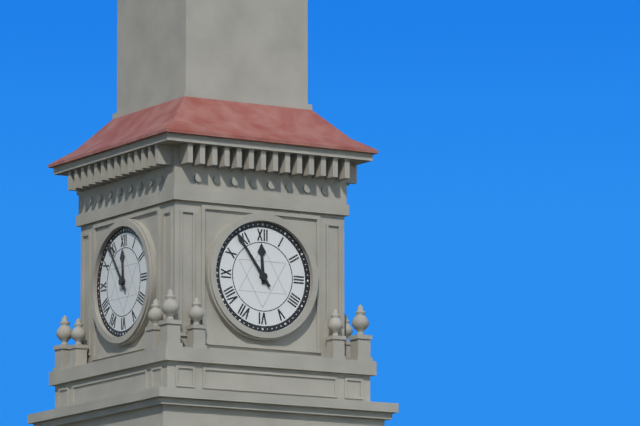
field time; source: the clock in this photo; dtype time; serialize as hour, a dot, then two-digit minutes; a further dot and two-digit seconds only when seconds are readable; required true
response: 11.54
